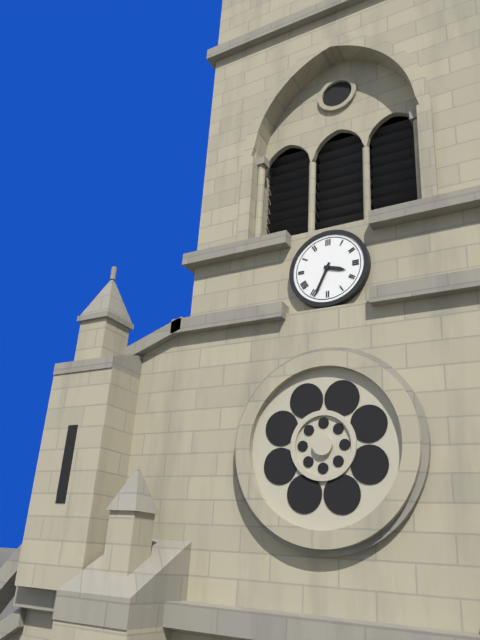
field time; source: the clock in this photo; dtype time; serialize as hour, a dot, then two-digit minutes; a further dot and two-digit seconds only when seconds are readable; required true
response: 3.34
